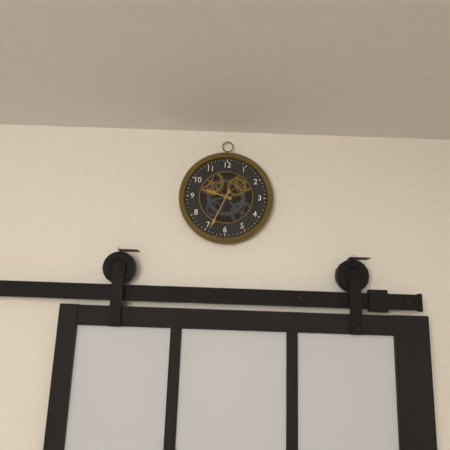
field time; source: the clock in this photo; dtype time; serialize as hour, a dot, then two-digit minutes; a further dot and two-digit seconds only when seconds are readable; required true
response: 9.34
